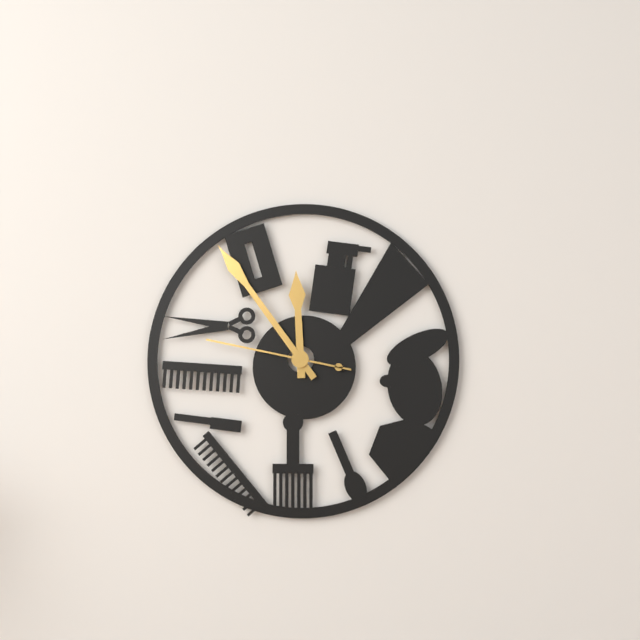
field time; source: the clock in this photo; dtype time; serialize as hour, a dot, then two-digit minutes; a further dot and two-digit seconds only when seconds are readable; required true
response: 11.54.47
